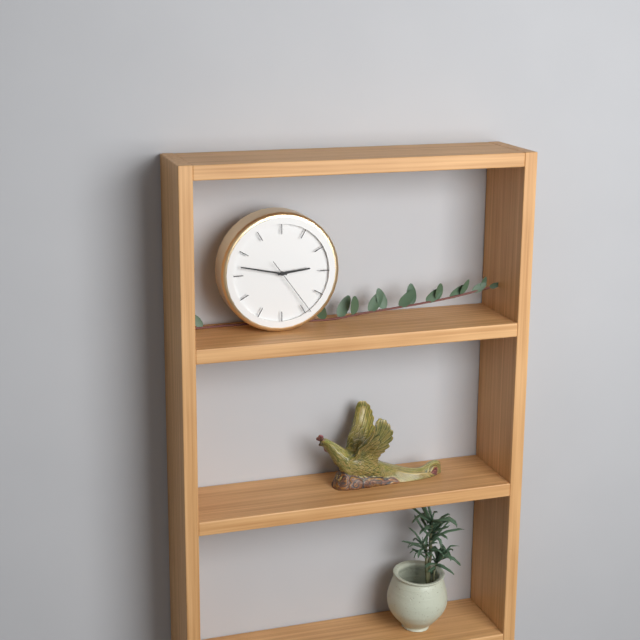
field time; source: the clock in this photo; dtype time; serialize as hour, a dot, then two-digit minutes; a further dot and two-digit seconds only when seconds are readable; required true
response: 2.47.24
